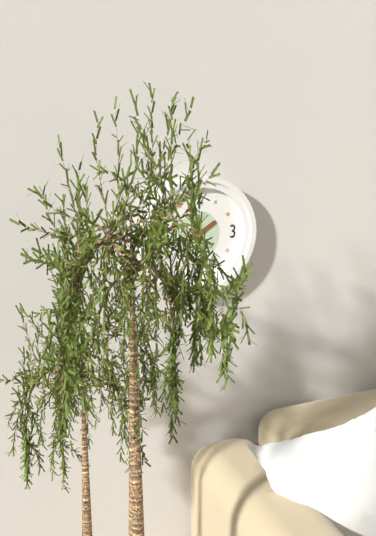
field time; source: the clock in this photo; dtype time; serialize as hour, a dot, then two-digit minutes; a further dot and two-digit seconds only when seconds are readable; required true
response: 1.57
